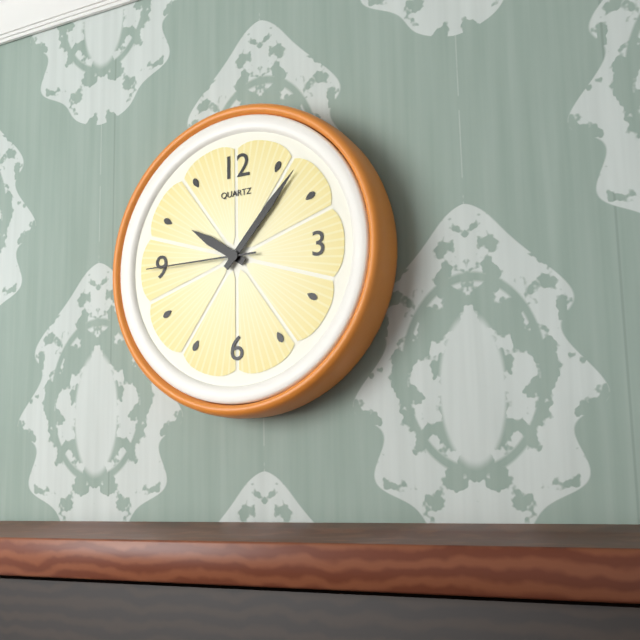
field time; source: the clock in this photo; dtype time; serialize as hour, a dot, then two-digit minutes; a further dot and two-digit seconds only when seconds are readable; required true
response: 10.07.45
